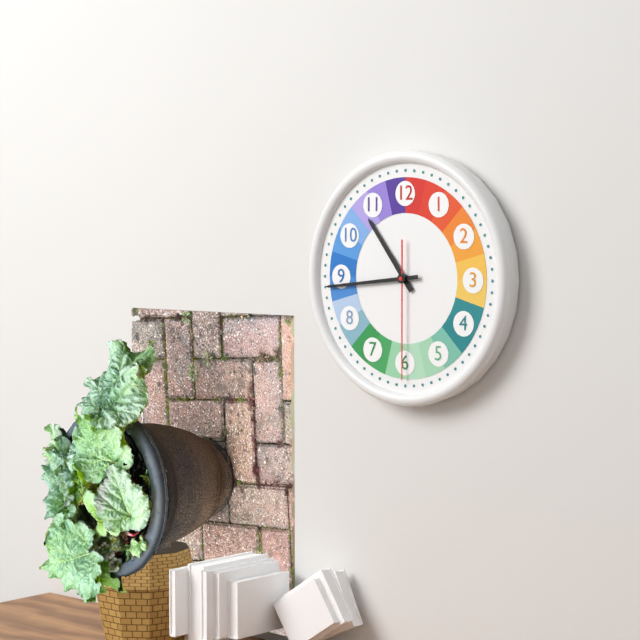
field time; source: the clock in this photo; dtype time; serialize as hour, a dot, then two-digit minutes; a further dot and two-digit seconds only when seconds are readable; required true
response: 10.44.30
